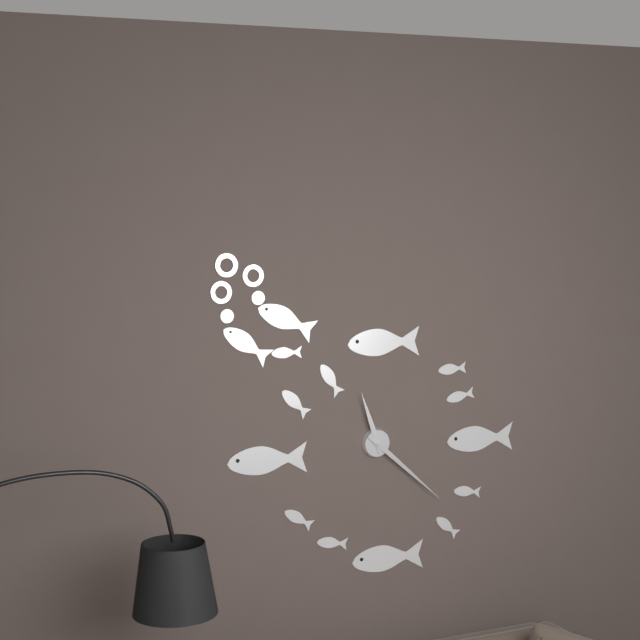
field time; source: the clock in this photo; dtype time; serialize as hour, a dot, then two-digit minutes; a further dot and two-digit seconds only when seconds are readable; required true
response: 11.22
